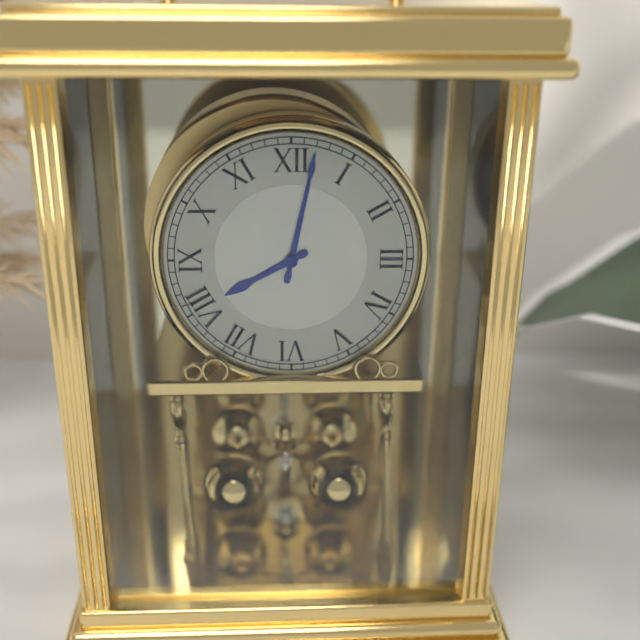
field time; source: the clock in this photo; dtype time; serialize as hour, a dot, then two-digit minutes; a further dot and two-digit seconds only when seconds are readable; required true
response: 8.02
